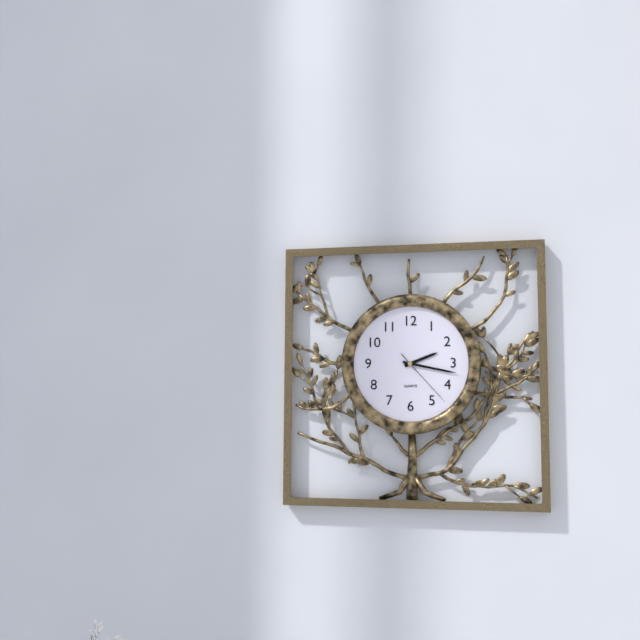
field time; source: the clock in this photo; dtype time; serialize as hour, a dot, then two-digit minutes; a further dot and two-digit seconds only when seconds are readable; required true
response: 2.17.23
